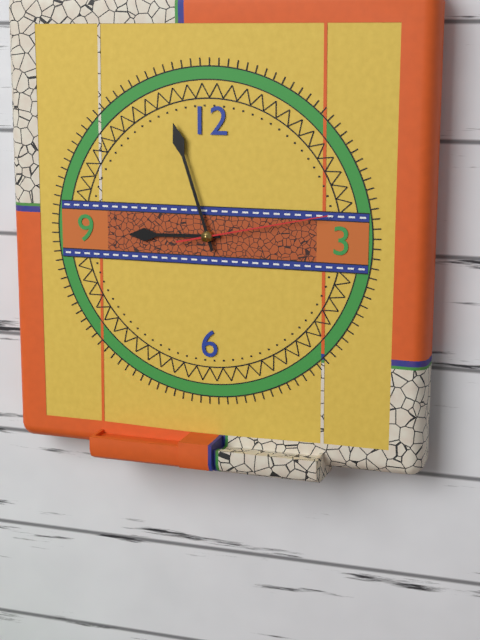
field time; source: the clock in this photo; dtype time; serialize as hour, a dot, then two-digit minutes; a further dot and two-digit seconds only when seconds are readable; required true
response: 8.57.13
